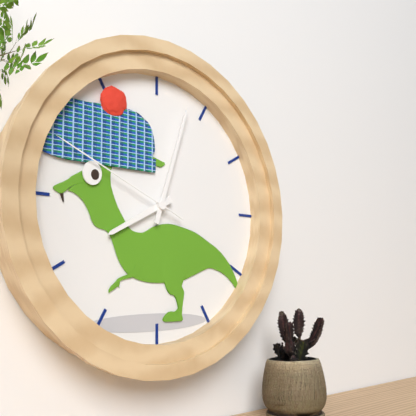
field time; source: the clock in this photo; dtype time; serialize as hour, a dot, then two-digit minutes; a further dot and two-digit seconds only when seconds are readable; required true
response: 8.03.49
